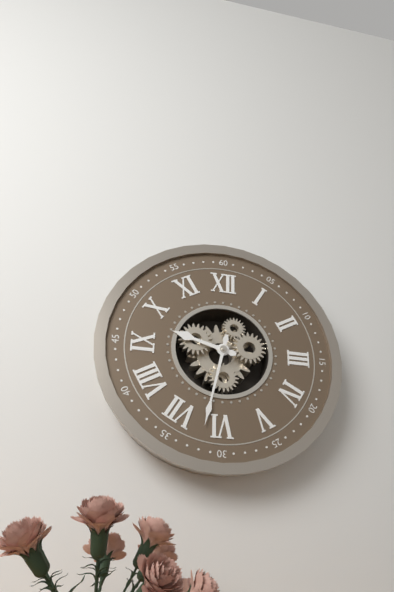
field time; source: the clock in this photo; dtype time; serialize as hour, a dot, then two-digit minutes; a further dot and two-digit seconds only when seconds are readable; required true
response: 9.32
